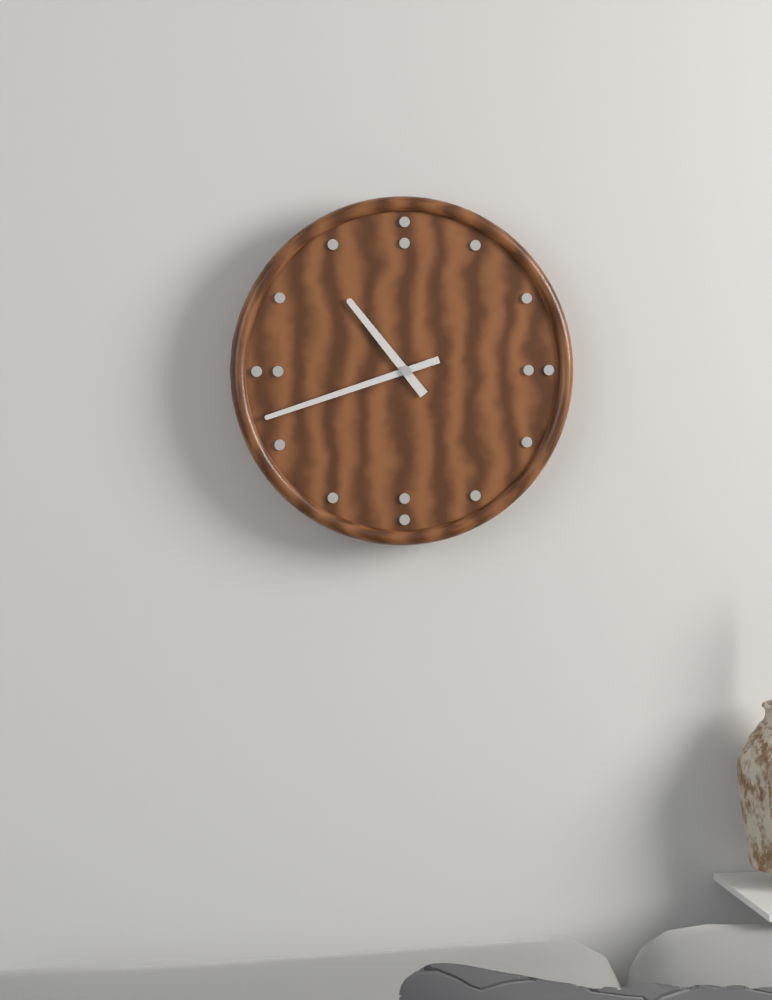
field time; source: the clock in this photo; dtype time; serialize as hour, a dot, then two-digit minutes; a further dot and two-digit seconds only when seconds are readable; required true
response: 10.42
